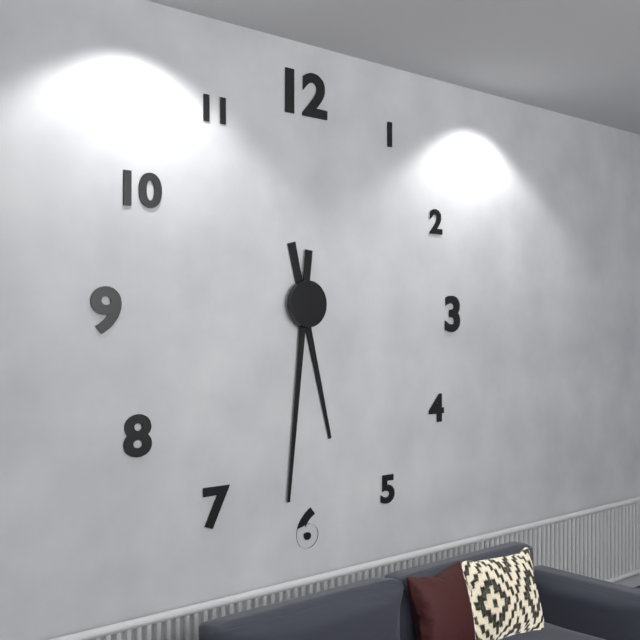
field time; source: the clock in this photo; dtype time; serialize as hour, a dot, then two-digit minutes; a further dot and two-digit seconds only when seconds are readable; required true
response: 5.31
